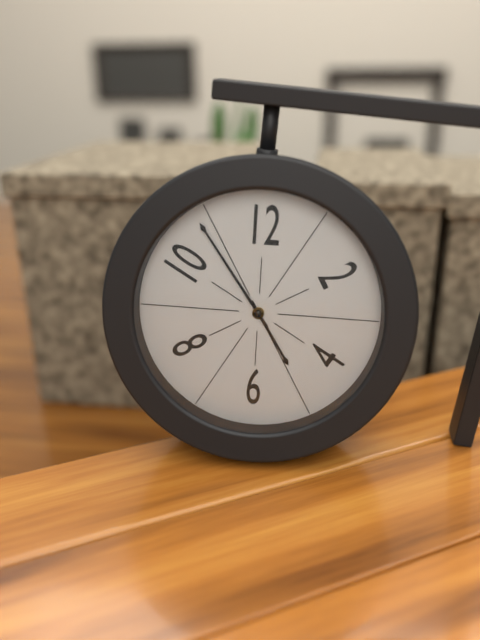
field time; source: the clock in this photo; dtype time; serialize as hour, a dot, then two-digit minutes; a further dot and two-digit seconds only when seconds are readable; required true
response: 4.54
